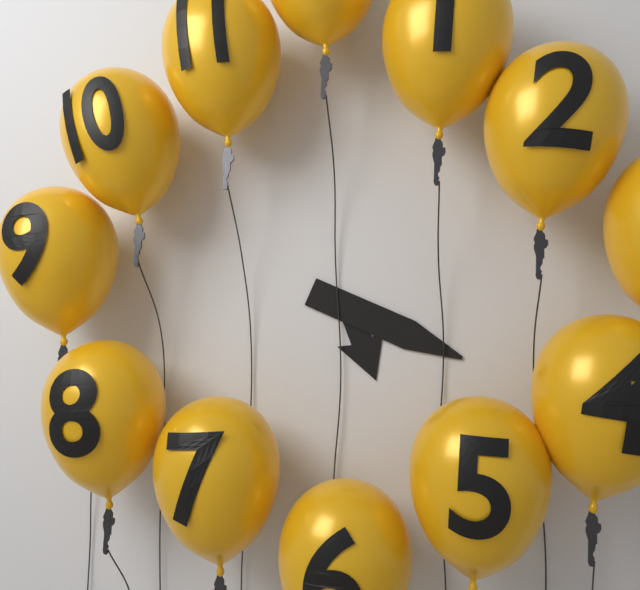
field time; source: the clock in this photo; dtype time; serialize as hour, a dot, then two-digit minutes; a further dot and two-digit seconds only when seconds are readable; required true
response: 5.19
